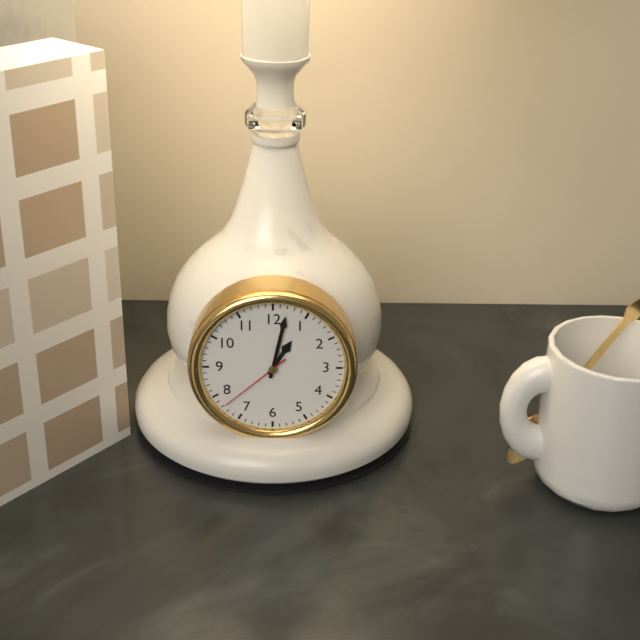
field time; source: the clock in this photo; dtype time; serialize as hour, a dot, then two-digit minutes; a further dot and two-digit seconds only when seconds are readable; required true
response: 1.02.38
